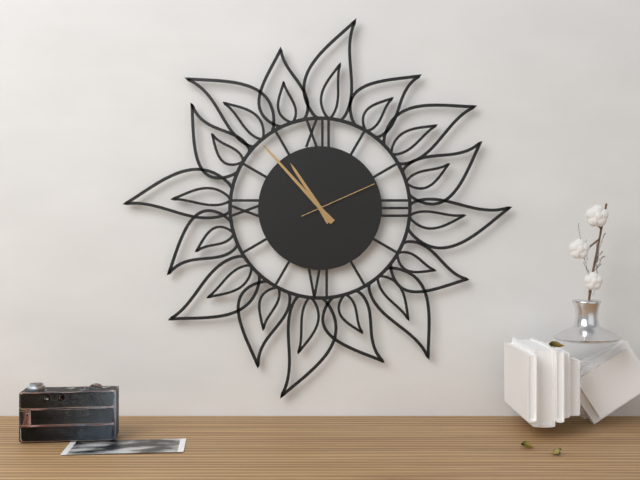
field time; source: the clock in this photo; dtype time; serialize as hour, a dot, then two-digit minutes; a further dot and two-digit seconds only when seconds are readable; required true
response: 10.53.11
